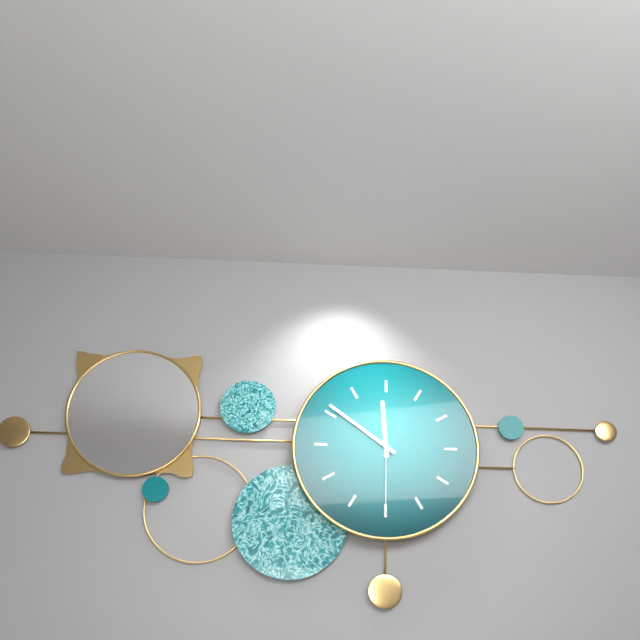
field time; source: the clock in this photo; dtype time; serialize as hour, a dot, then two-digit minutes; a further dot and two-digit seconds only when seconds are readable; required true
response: 11.51.30
